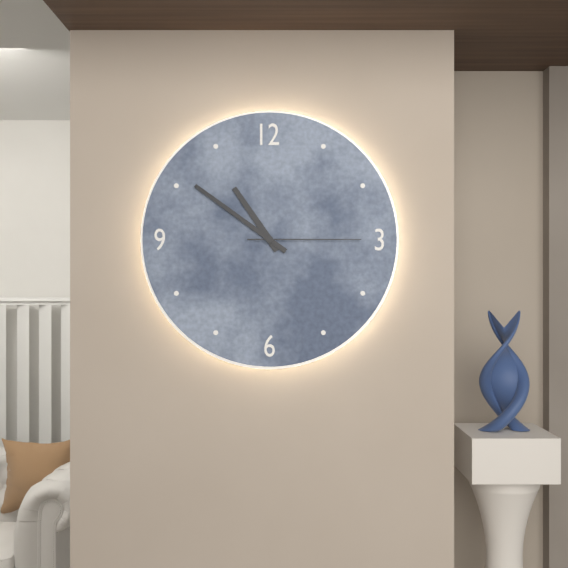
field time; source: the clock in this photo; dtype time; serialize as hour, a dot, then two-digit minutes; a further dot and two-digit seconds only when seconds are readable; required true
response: 10.51.15
